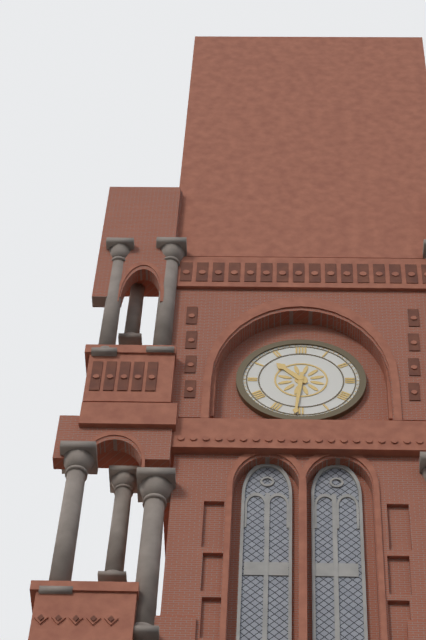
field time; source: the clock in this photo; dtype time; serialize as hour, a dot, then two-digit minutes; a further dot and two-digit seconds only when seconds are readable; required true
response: 10.31
